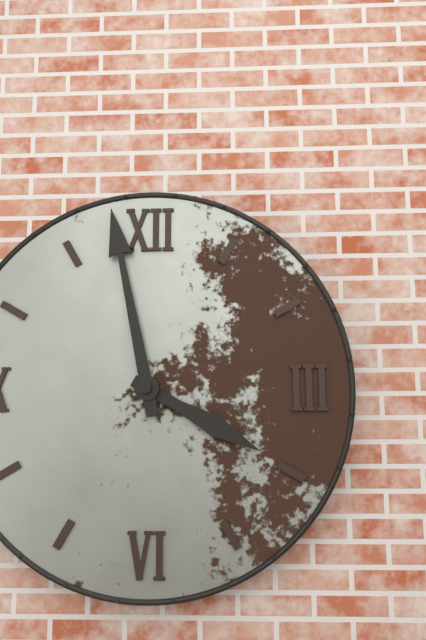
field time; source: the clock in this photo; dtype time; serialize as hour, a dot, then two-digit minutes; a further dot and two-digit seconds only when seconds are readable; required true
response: 3.58
